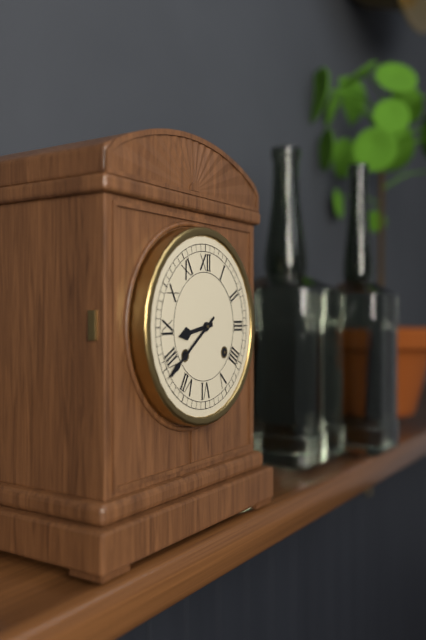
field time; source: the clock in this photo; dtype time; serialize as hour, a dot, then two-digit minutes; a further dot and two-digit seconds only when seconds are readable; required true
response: 8.39
